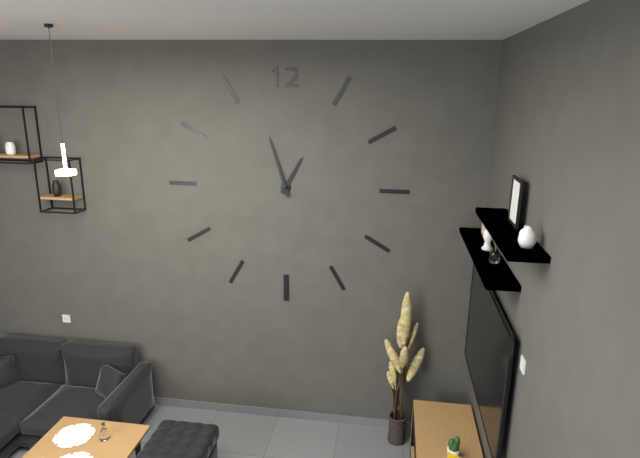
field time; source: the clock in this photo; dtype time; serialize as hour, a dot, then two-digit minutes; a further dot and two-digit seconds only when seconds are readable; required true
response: 12.57
